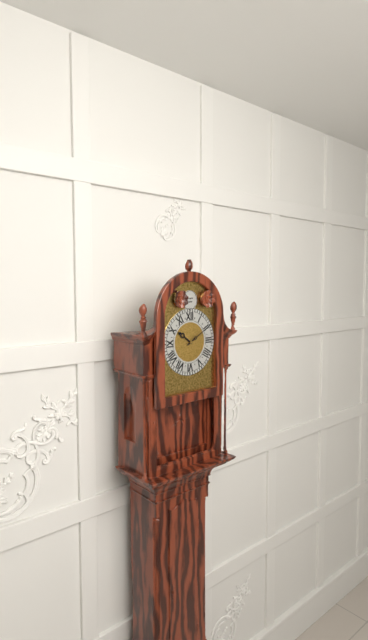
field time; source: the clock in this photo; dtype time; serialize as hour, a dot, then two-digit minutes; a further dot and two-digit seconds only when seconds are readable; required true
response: 10.10
